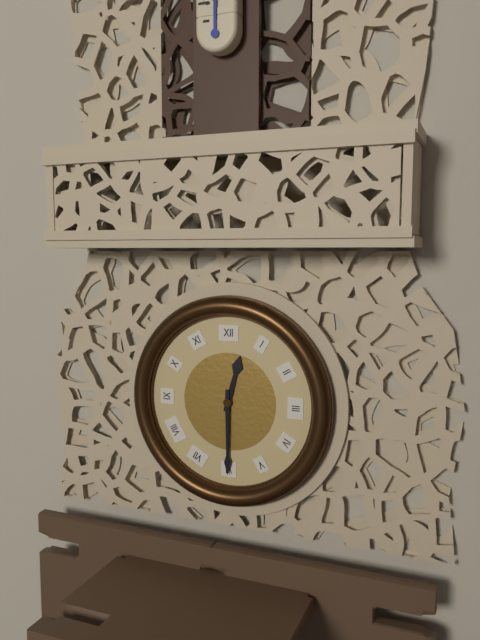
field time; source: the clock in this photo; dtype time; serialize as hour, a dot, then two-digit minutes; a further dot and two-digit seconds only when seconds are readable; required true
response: 12.30
